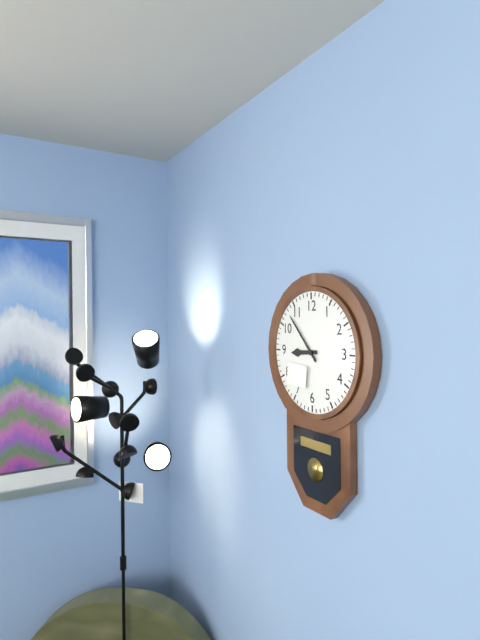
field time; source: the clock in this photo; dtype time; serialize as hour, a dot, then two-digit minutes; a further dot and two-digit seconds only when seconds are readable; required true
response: 8.53
